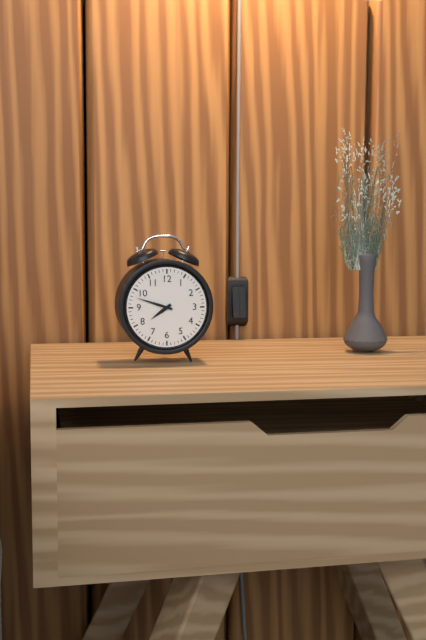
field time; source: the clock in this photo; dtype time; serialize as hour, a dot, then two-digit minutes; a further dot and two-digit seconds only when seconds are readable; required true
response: 7.48
